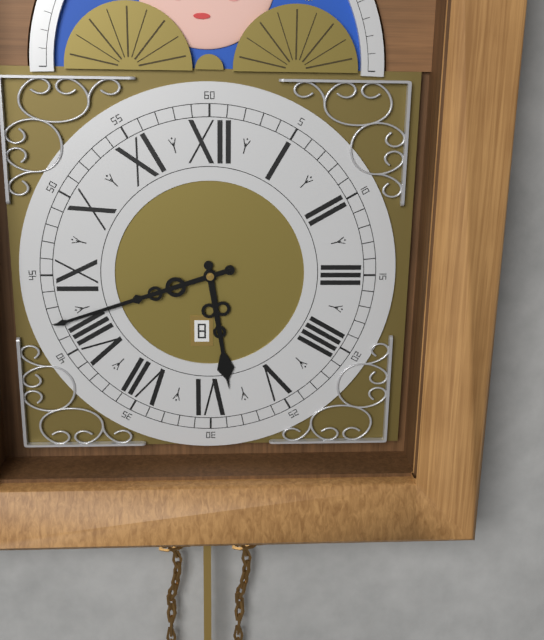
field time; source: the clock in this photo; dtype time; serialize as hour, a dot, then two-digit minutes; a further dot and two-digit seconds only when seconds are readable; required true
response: 5.42
